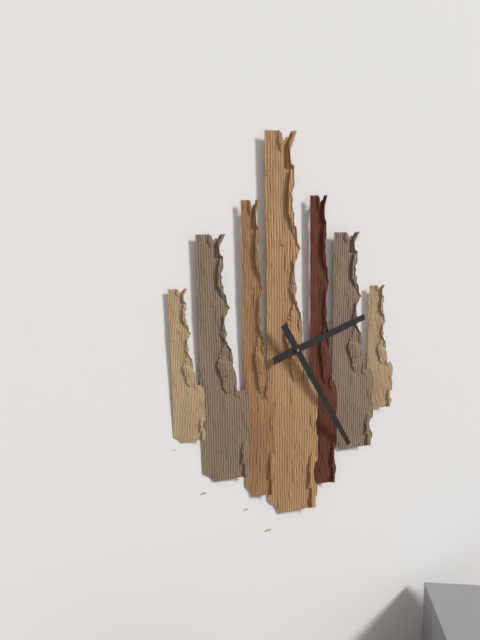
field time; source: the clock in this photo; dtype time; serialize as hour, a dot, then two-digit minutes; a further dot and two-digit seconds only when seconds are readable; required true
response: 2.25
